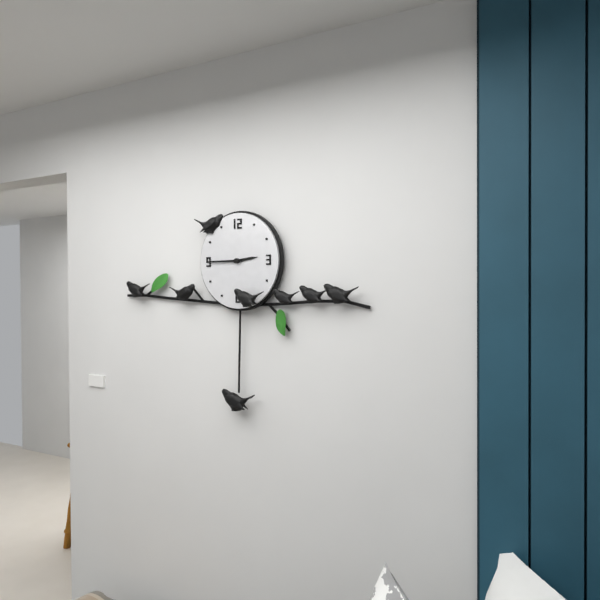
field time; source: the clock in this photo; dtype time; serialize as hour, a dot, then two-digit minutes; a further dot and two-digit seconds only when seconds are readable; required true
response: 2.45
